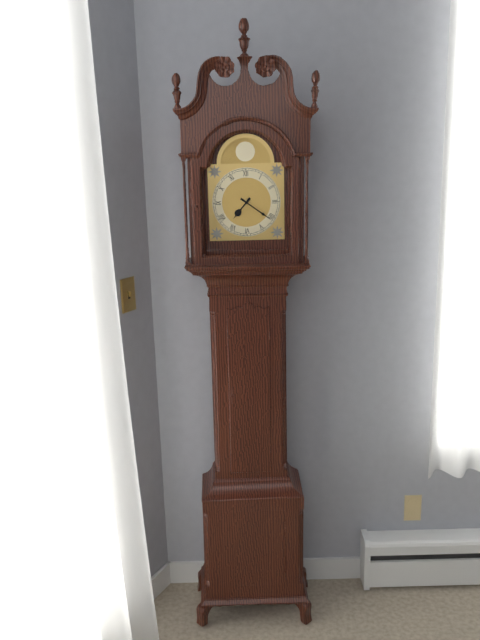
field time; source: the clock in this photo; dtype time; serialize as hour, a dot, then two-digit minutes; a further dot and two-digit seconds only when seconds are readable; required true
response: 7.21
